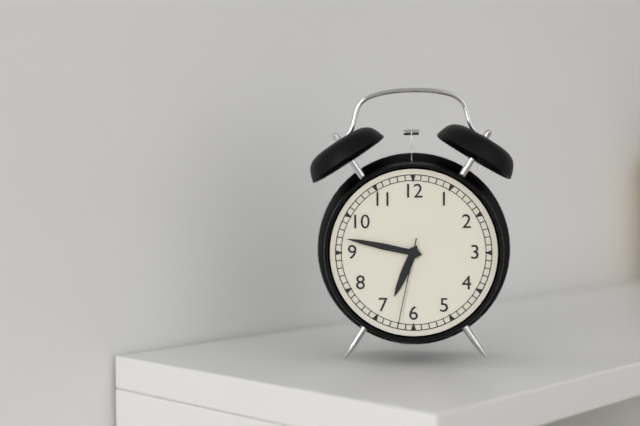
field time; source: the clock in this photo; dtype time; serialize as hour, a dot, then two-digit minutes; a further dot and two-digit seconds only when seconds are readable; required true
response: 6.47.32
